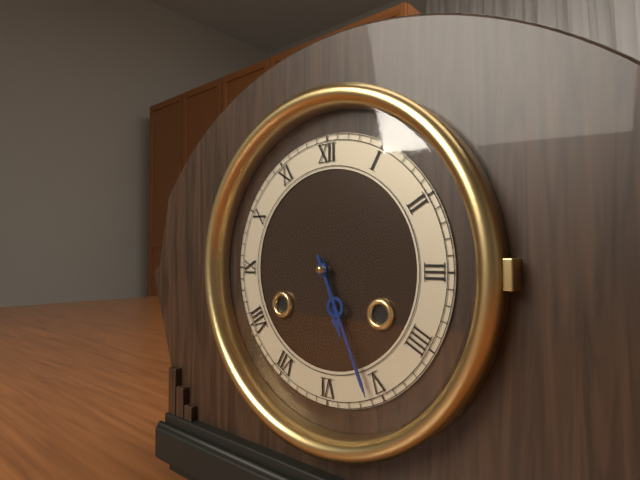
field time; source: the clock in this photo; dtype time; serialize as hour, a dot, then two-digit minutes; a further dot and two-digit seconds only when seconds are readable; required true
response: 5.26
